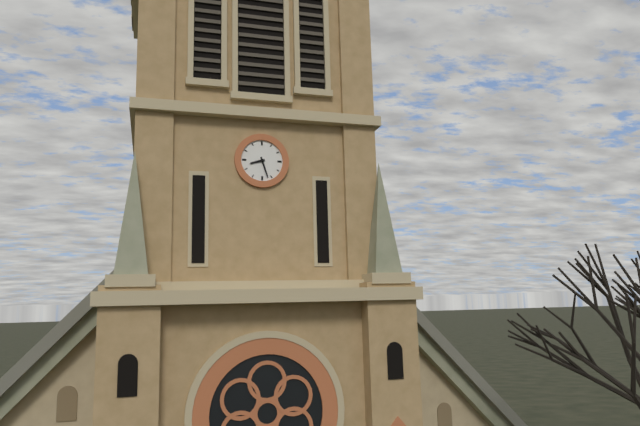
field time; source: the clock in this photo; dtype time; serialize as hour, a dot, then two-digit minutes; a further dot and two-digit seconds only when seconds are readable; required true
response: 8.27
